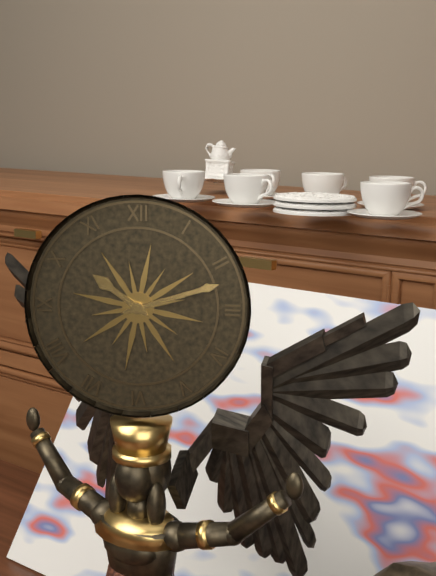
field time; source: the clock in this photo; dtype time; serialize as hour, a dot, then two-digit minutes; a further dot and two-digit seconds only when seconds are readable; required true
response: 10.12
